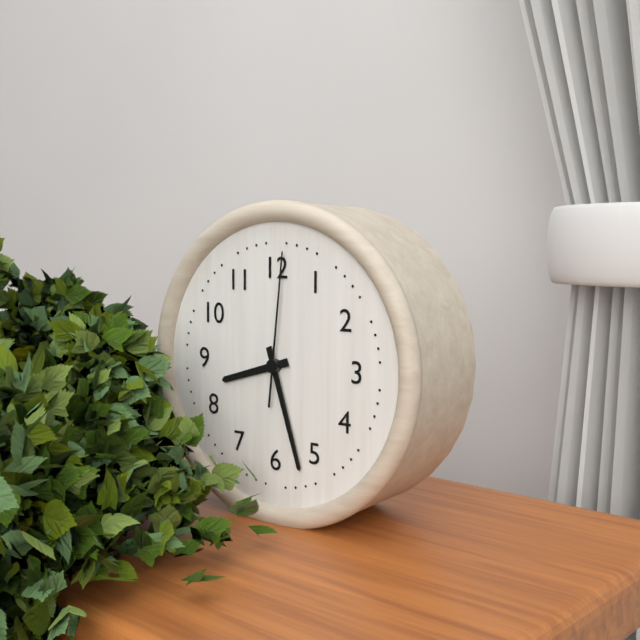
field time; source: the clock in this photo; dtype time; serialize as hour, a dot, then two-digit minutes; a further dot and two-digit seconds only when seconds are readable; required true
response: 8.27.01
